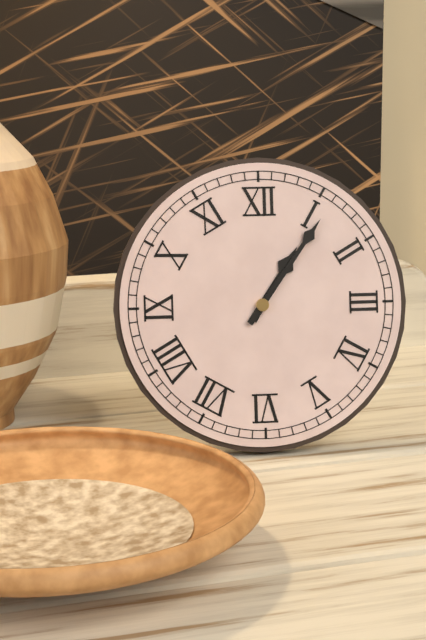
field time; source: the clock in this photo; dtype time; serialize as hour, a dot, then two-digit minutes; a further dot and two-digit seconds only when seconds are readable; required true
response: 1.06
